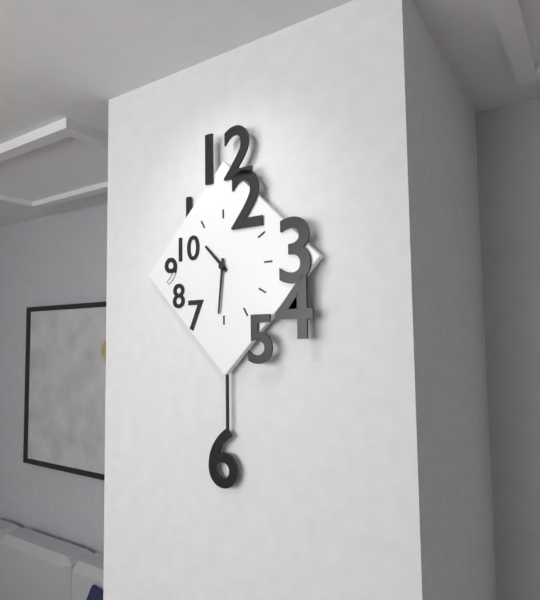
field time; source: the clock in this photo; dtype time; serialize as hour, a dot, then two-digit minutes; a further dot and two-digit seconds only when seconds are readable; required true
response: 10.31
